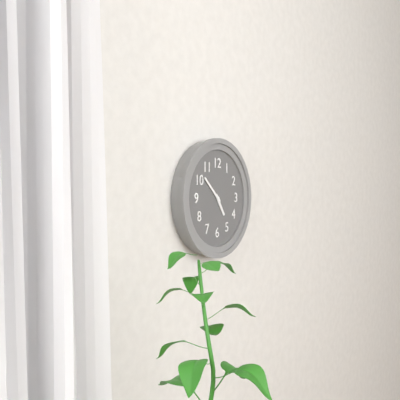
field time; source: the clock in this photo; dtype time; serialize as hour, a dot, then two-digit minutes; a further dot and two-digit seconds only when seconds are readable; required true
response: 4.52
